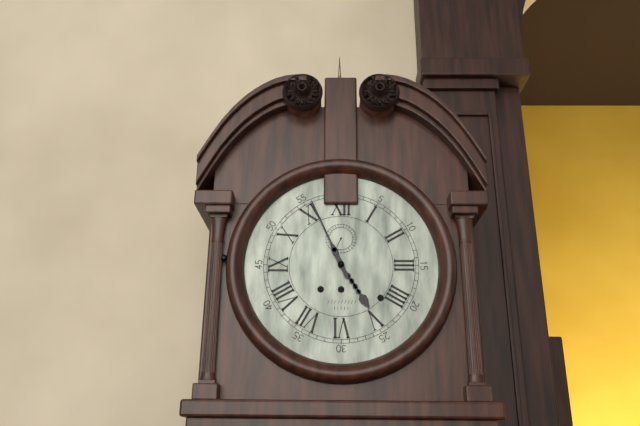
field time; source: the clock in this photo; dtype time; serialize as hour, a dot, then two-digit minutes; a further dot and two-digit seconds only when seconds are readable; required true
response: 4.56
